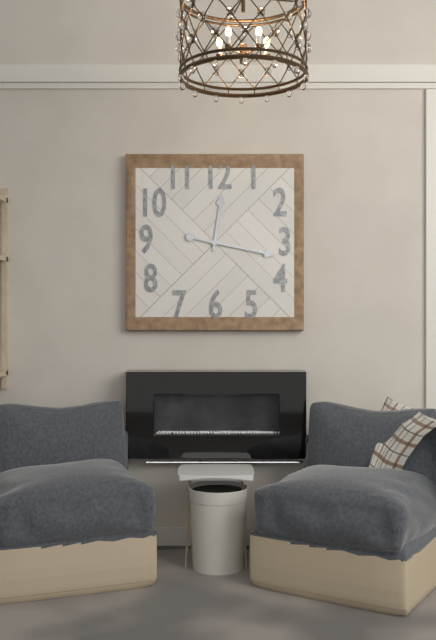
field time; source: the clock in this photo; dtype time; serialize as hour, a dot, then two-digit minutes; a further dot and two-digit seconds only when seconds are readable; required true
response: 12.17
